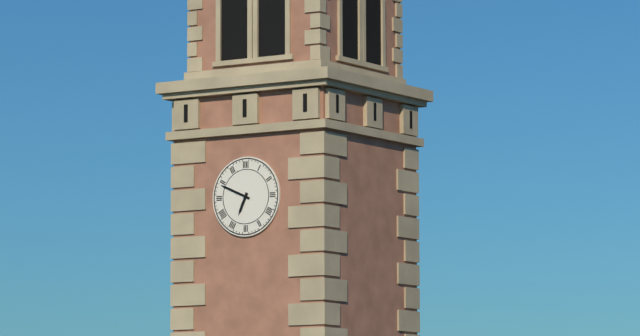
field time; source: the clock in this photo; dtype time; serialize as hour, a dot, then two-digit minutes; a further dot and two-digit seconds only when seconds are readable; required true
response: 6.49
